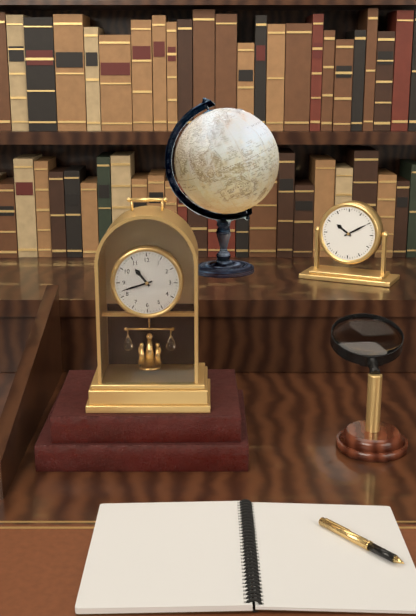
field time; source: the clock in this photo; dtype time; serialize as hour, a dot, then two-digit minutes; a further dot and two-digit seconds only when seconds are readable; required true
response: 10.42
